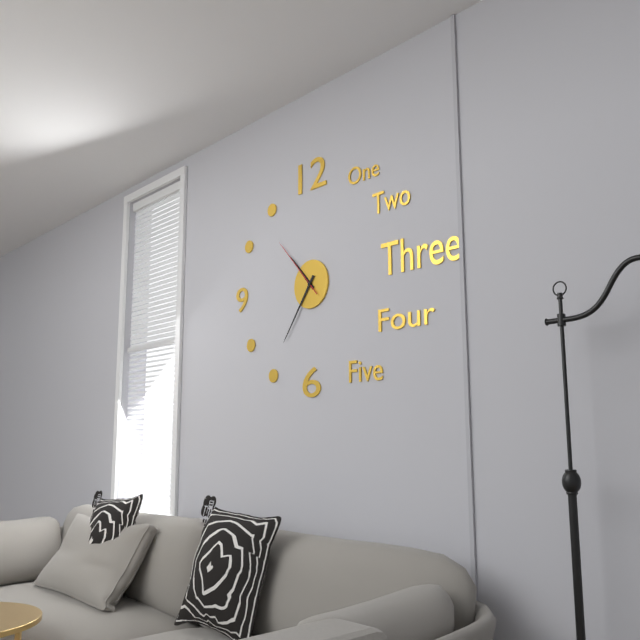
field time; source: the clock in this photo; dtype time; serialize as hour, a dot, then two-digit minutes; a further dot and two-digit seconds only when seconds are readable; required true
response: 10.36.53
